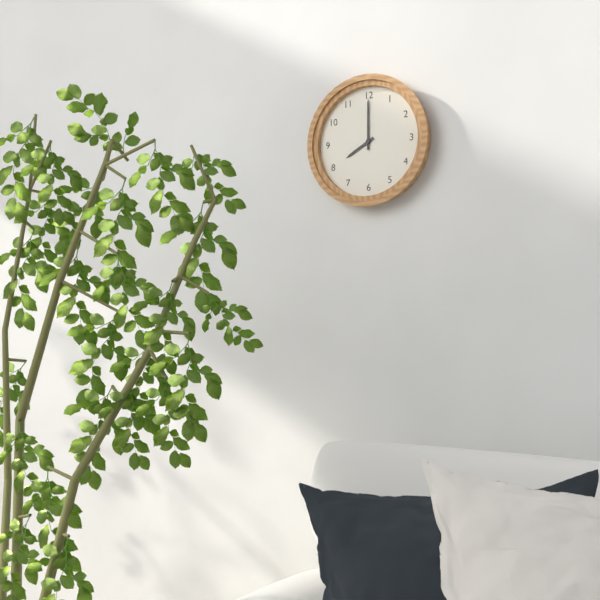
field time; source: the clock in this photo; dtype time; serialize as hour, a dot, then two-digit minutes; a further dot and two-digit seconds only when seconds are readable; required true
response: 8.00
